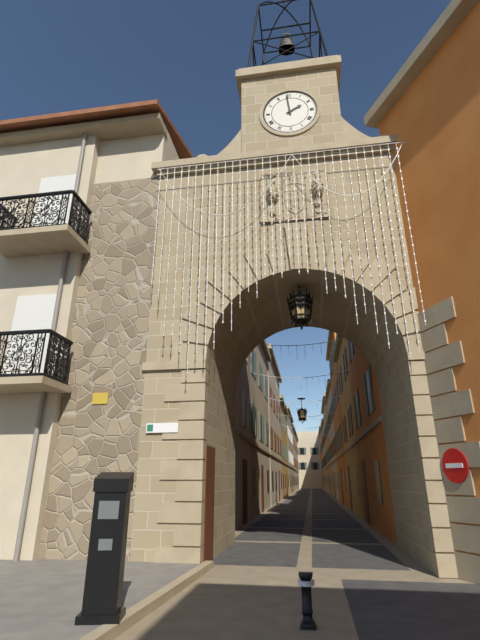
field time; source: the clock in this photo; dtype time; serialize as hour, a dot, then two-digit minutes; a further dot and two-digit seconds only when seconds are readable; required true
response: 1.59
